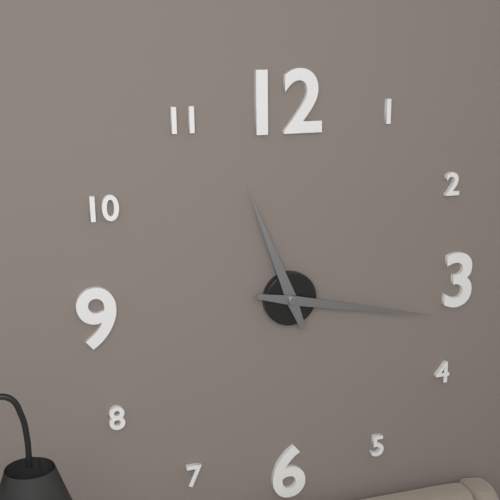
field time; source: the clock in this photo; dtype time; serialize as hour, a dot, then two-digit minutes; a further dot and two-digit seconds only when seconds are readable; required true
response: 11.17
